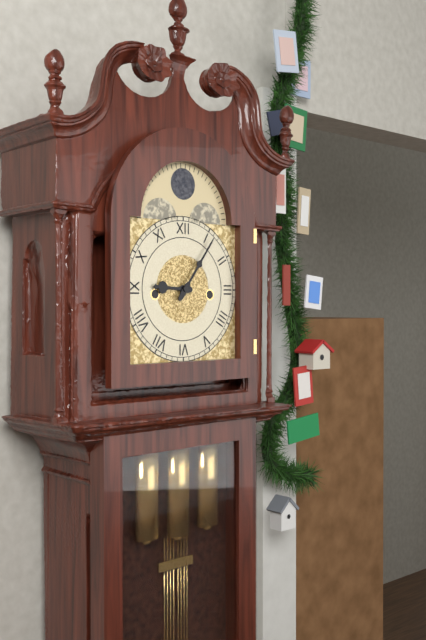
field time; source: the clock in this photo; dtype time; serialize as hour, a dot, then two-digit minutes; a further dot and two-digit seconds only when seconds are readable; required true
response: 9.06
